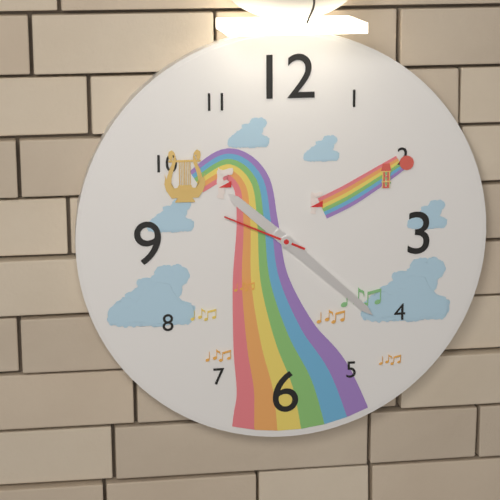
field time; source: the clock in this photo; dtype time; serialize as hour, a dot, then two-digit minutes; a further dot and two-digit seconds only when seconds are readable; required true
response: 10.22.49
